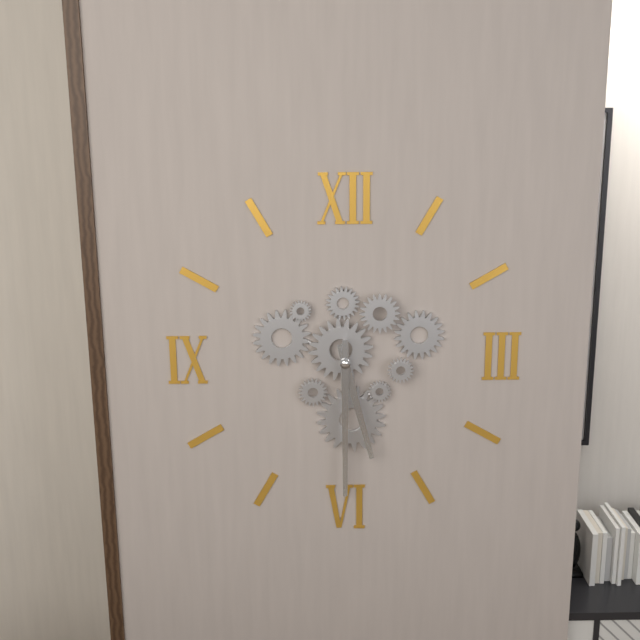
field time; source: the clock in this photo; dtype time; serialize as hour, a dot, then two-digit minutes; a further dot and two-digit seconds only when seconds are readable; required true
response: 5.30
